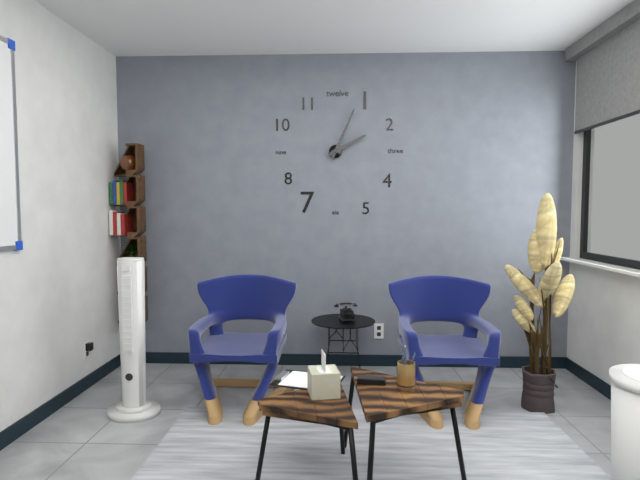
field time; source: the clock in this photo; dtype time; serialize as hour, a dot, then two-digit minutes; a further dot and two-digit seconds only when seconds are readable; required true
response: 2.04
